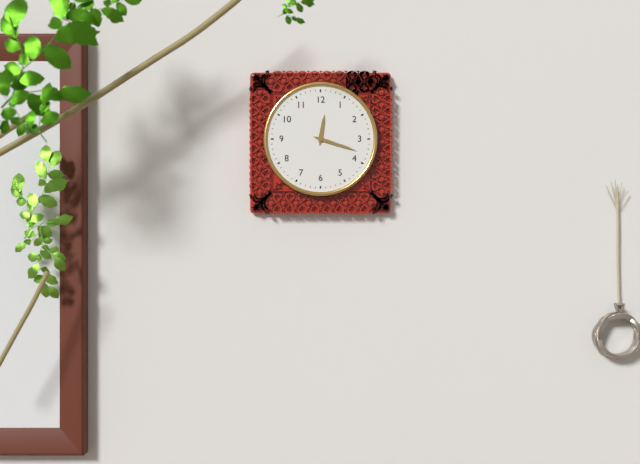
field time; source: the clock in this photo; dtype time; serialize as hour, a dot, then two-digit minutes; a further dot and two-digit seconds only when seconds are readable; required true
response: 12.18
